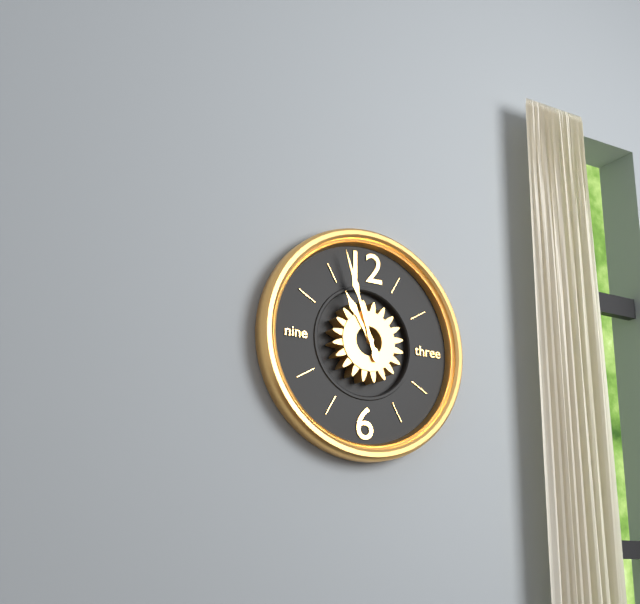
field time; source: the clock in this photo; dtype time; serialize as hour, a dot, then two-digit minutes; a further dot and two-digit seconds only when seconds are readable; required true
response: 10.57
